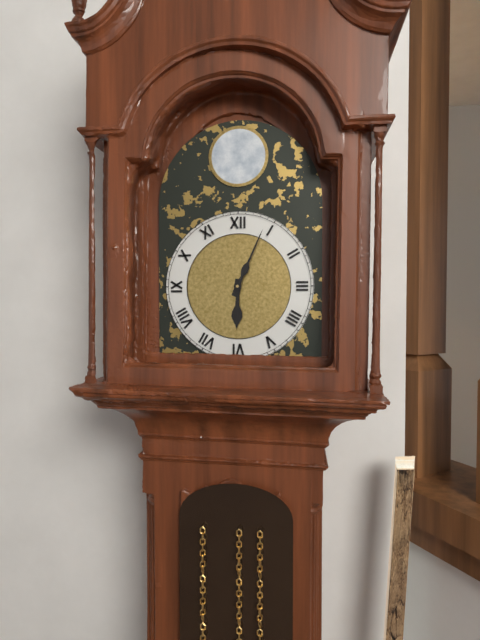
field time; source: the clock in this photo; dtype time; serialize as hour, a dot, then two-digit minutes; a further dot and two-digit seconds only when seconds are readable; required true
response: 6.04
